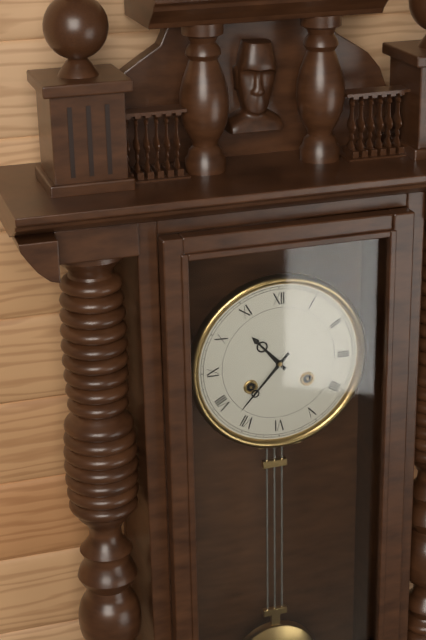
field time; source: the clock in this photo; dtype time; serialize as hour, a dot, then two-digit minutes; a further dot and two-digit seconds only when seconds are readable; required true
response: 10.37
